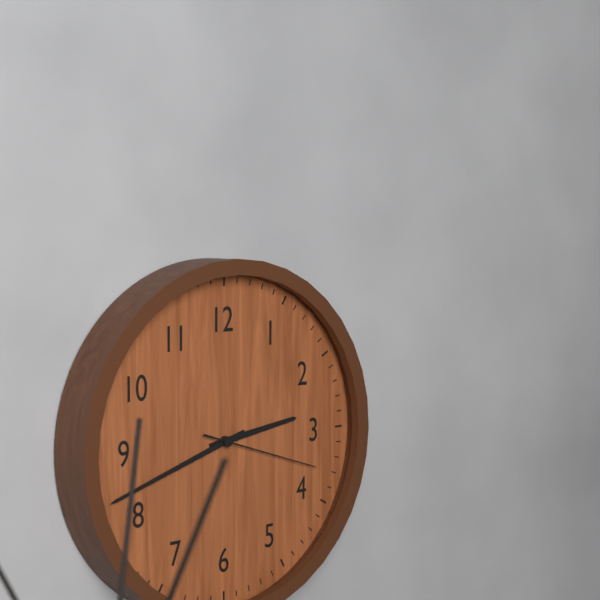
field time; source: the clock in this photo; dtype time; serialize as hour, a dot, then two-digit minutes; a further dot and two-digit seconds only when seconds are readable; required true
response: 2.42.18
